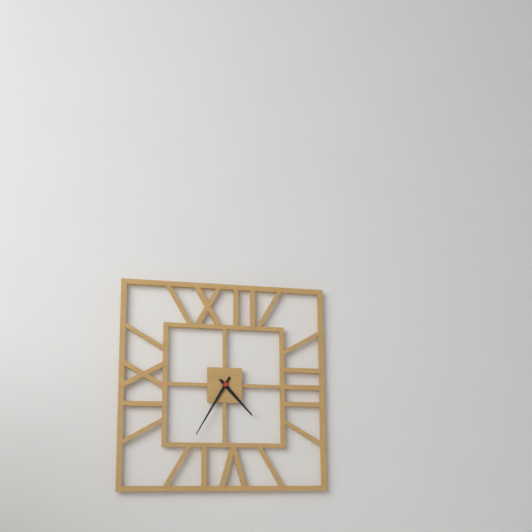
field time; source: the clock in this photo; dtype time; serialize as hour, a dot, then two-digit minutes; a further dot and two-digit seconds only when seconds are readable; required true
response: 4.35
